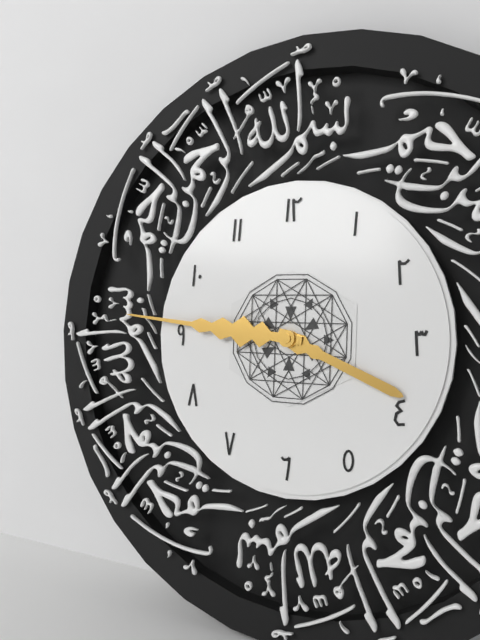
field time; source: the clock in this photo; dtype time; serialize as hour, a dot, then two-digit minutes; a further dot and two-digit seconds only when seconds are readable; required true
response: 3.46
